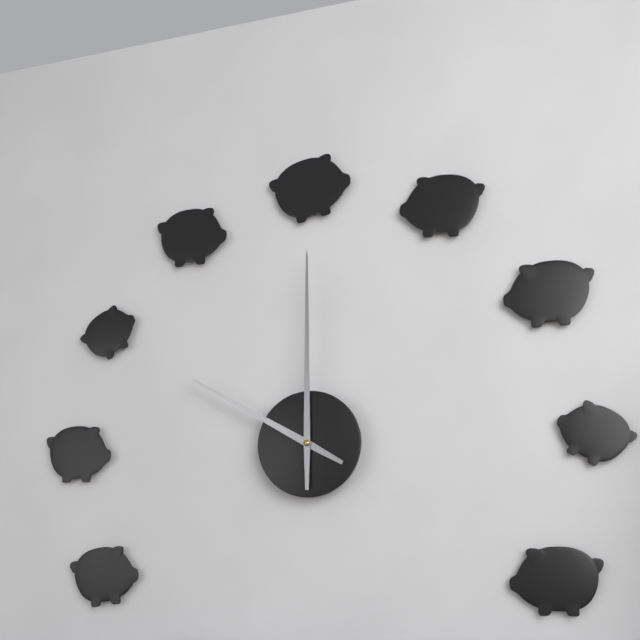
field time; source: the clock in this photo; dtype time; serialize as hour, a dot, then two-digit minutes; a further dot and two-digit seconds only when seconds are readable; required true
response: 10.00
